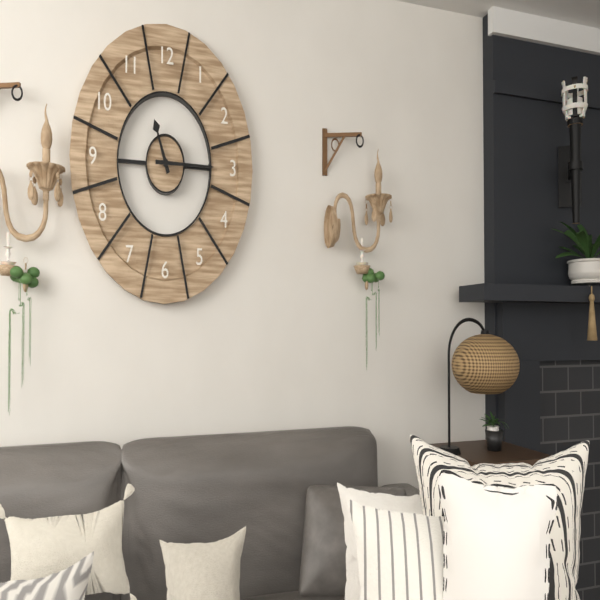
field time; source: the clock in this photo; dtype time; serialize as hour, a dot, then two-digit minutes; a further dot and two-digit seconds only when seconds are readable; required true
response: 11.15
